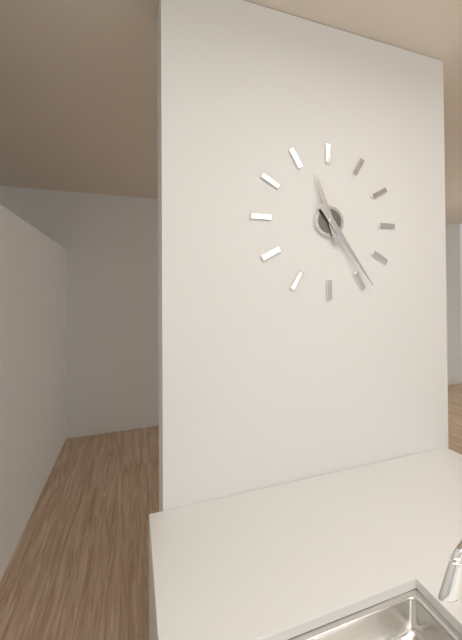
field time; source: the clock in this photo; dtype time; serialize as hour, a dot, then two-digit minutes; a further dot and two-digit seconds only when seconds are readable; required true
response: 11.24
